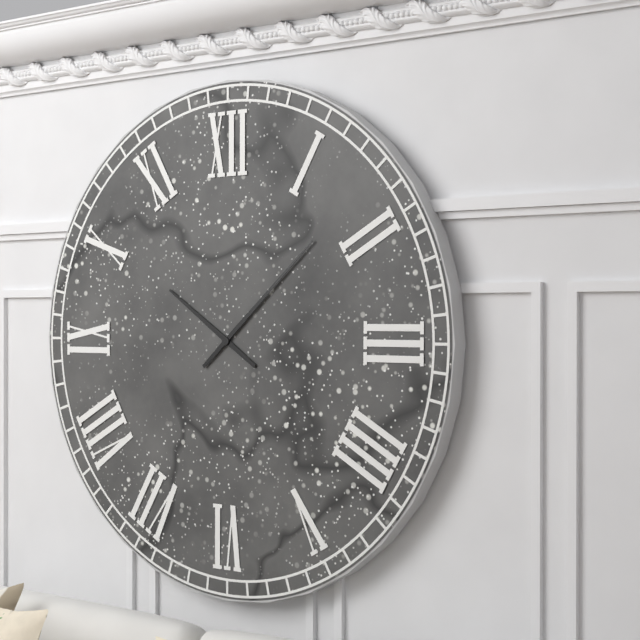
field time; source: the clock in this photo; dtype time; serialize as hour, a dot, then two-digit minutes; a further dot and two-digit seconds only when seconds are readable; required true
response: 10.08
